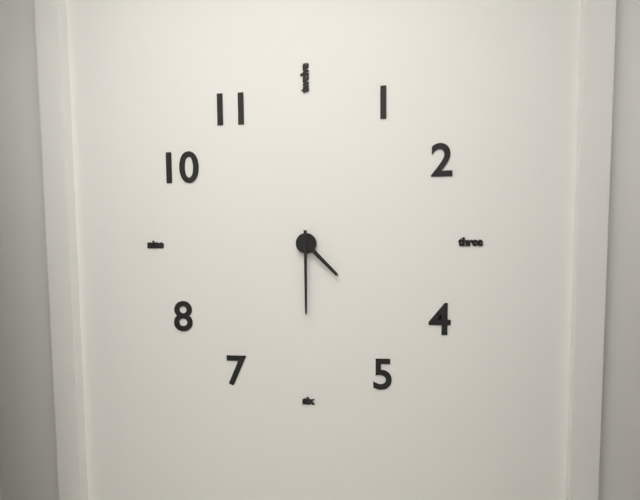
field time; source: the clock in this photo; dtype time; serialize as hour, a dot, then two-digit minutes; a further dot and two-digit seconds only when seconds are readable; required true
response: 4.30
